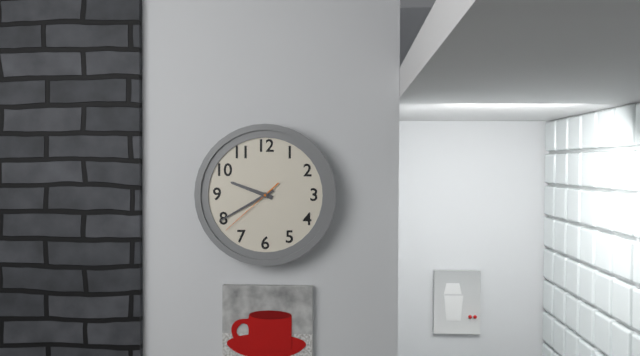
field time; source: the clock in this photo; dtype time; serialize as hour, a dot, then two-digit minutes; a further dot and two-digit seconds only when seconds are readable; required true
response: 9.40.38
